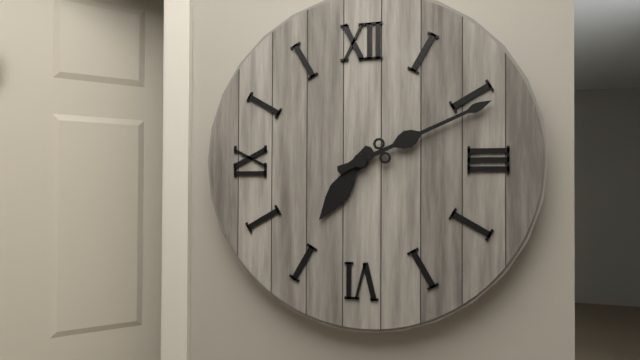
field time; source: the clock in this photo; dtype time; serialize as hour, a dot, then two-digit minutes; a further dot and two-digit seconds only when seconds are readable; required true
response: 7.11
